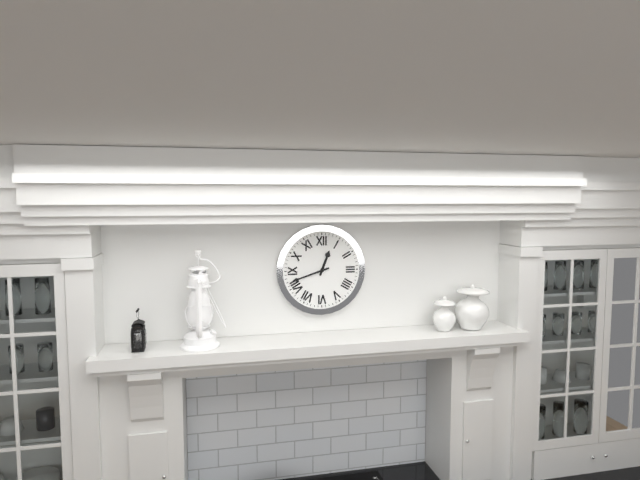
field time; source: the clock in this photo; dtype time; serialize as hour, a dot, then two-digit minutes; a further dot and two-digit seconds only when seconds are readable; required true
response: 12.42
